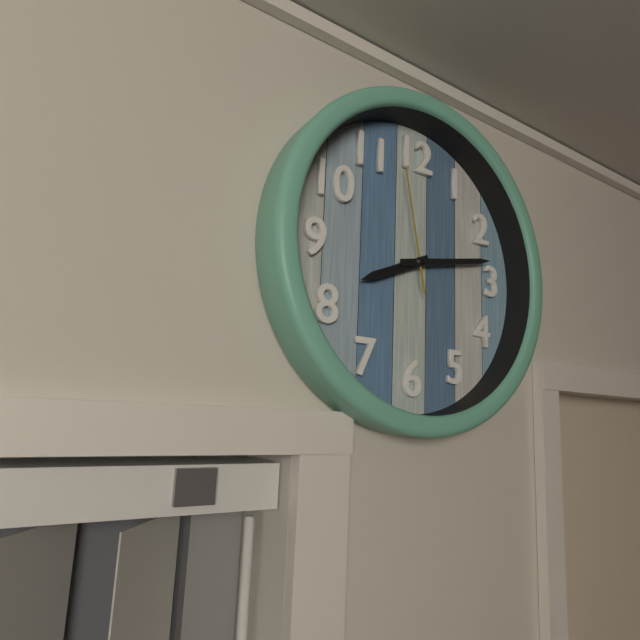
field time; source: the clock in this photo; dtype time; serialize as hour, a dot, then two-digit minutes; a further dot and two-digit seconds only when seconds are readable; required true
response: 8.13.58
